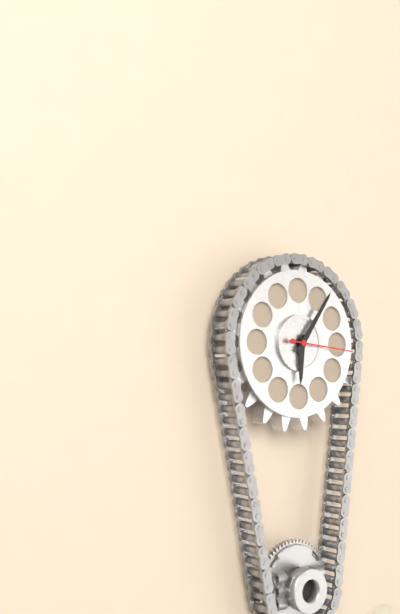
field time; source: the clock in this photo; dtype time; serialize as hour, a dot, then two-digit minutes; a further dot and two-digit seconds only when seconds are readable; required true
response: 6.06.16
